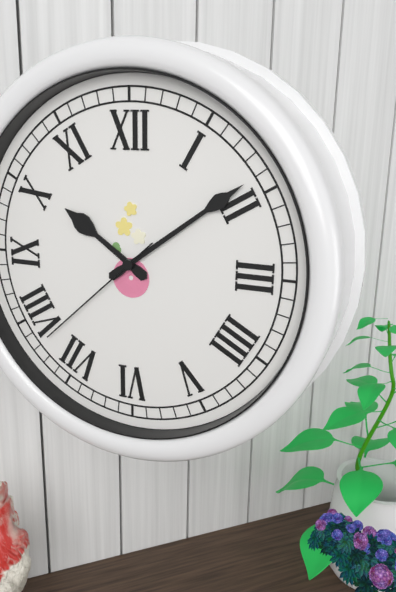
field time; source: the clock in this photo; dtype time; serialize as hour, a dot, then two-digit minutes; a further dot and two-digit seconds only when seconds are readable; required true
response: 10.09.38
